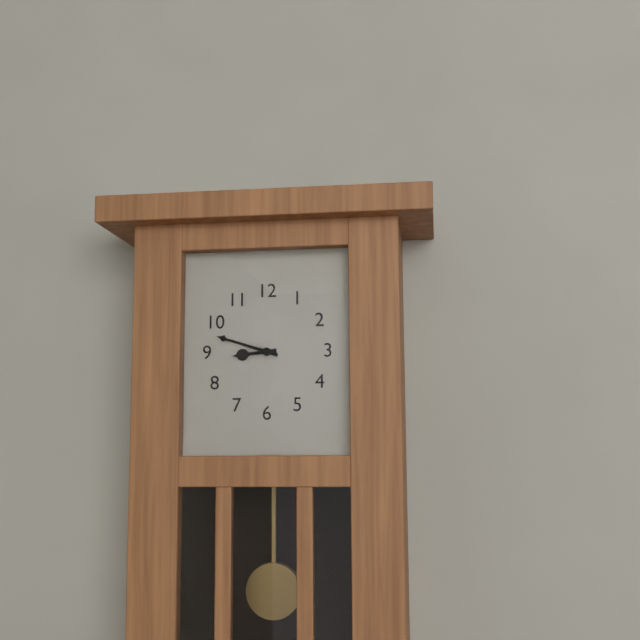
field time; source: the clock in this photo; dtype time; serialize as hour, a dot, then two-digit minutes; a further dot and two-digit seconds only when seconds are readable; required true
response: 8.48
